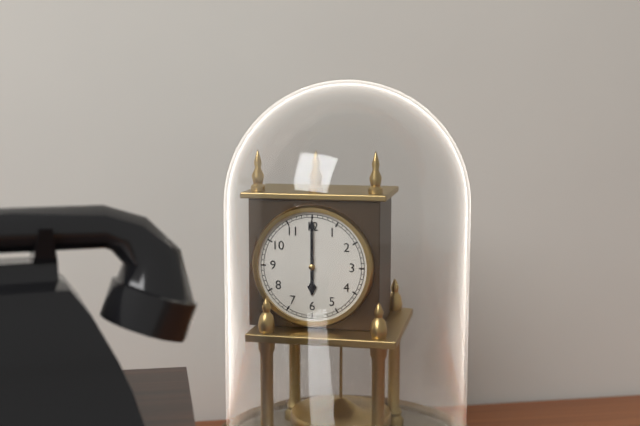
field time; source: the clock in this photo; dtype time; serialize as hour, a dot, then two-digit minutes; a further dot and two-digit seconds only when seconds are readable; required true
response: 6.00
